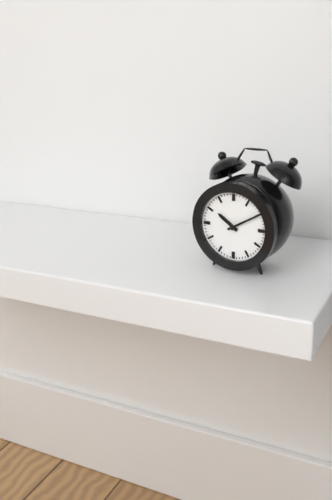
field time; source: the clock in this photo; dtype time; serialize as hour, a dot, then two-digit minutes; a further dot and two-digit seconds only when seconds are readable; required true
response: 10.10
